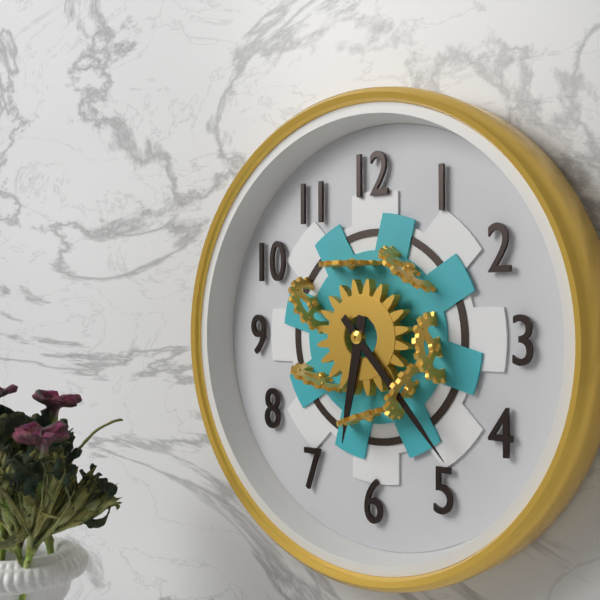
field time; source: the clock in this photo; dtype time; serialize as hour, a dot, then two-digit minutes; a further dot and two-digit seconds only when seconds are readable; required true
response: 6.23
